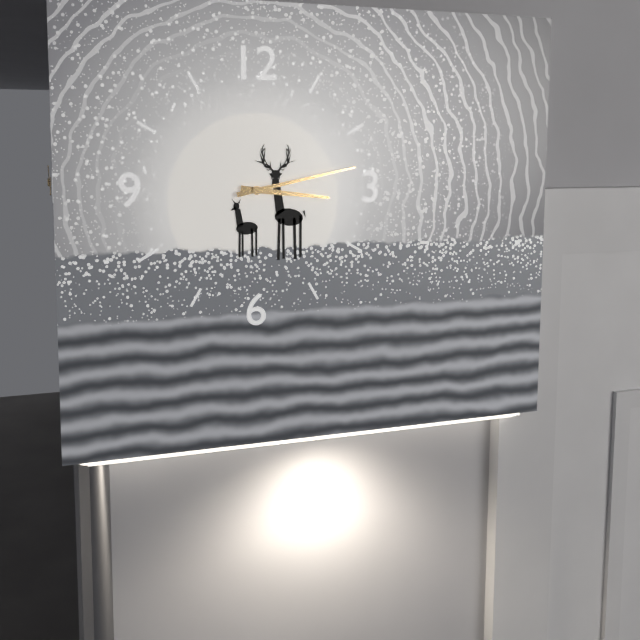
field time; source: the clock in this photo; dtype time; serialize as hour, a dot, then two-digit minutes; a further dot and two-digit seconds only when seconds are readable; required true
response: 3.13
